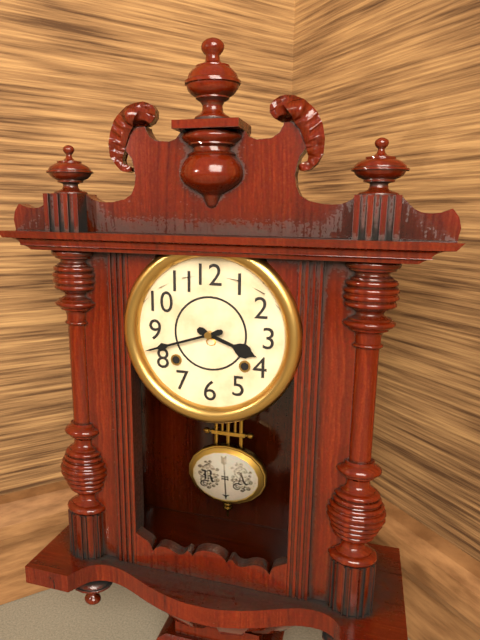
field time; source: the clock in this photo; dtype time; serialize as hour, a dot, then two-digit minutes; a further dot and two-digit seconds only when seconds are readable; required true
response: 3.42
